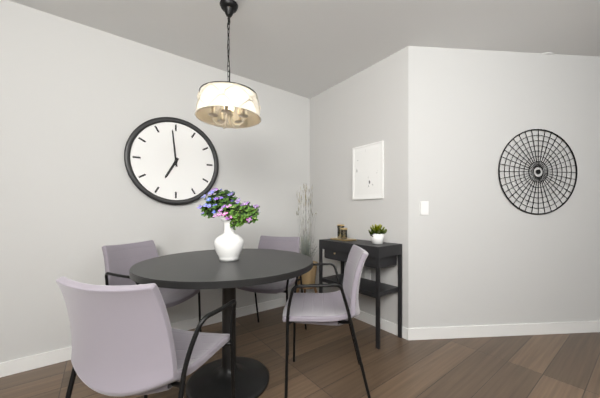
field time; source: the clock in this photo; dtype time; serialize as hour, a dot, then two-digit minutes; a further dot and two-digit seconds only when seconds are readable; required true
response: 6.59
